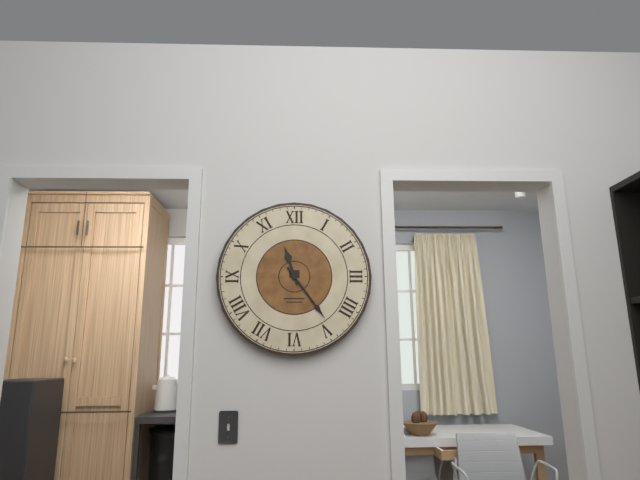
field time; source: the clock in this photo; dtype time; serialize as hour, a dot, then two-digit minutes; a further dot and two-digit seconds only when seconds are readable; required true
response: 11.24
